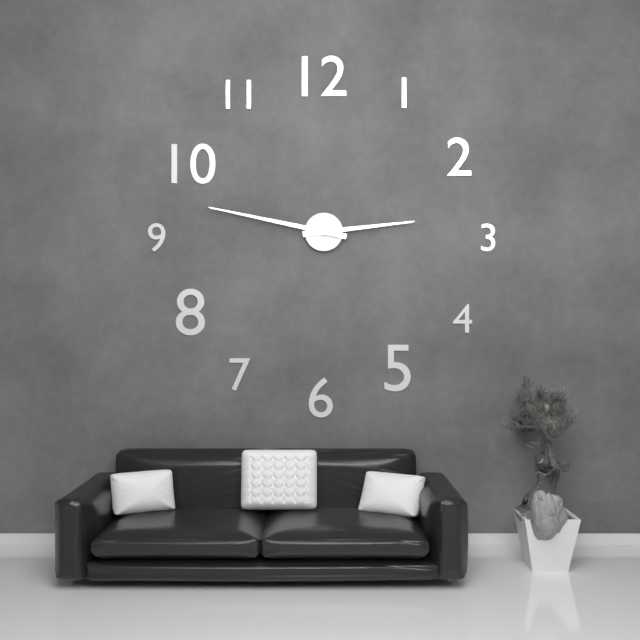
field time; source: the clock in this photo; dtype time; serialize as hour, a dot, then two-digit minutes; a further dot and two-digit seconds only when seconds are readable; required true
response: 2.47
